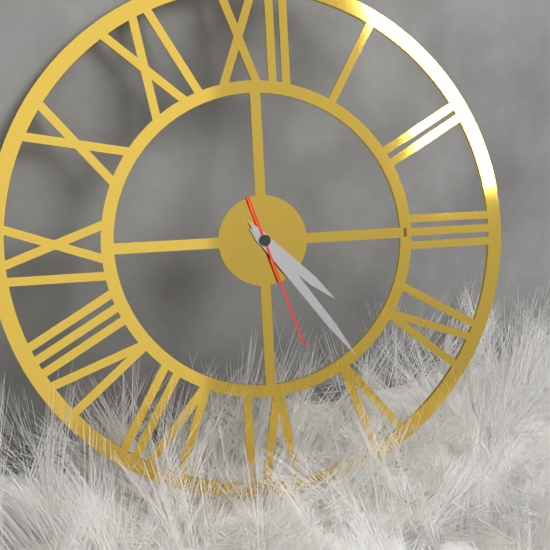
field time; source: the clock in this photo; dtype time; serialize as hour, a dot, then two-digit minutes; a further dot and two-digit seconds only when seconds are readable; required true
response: 4.24.27
